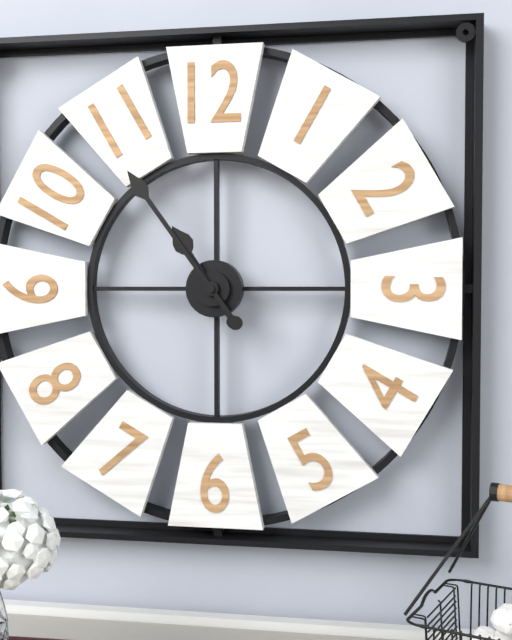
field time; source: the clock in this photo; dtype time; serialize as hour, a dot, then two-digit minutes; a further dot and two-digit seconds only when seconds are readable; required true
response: 10.54
